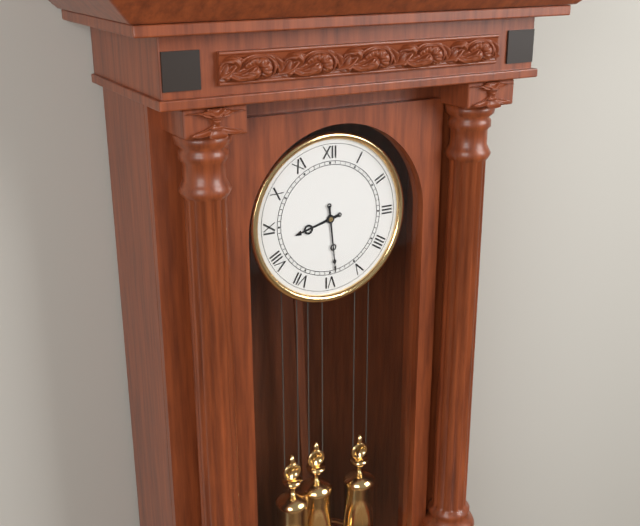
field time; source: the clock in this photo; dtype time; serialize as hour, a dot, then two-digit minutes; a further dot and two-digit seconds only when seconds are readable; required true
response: 8.29
